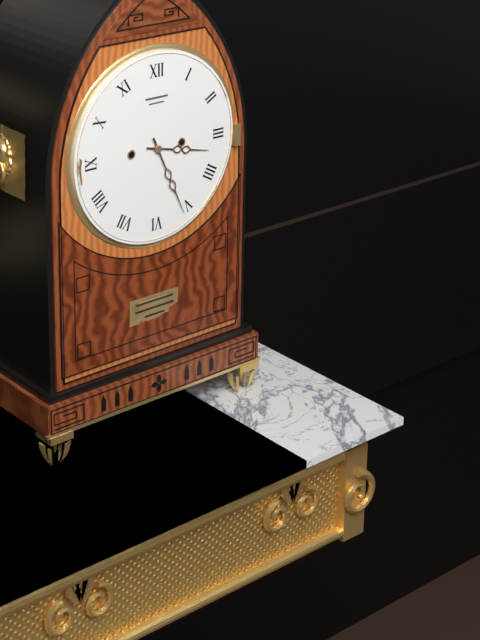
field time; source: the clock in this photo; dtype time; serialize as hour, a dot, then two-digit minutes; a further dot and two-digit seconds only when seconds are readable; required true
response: 3.26
